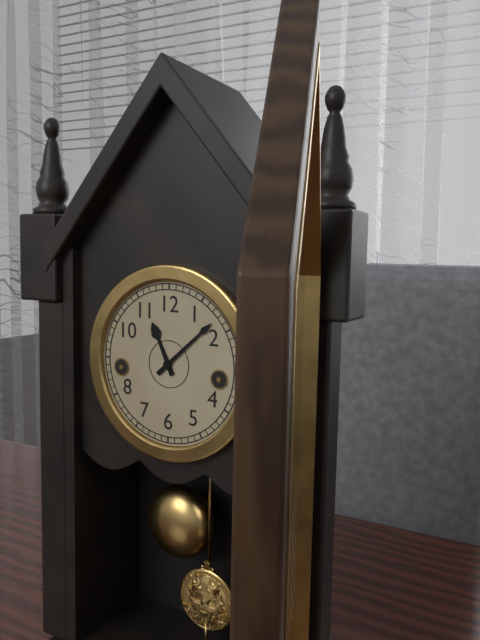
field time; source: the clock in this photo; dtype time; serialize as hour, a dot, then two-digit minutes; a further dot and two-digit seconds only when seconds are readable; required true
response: 11.08
